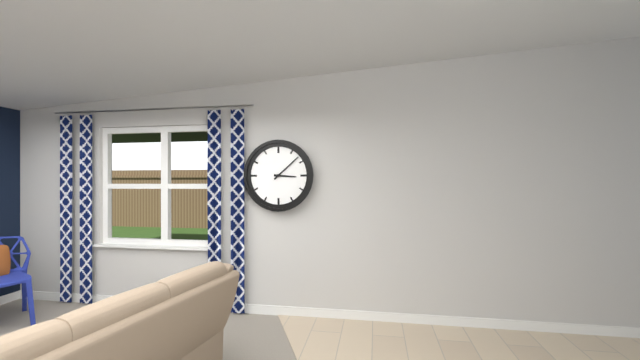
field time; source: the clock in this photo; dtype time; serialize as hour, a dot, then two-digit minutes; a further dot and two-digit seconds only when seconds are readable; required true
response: 3.08
